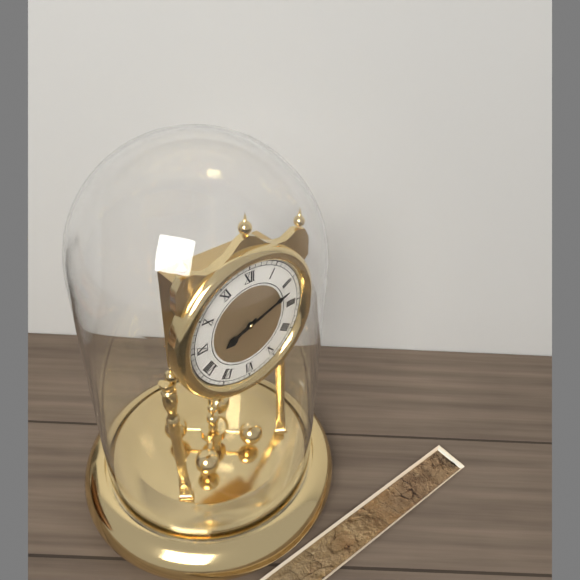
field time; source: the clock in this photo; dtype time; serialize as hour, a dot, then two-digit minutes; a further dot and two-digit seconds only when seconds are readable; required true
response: 8.12
